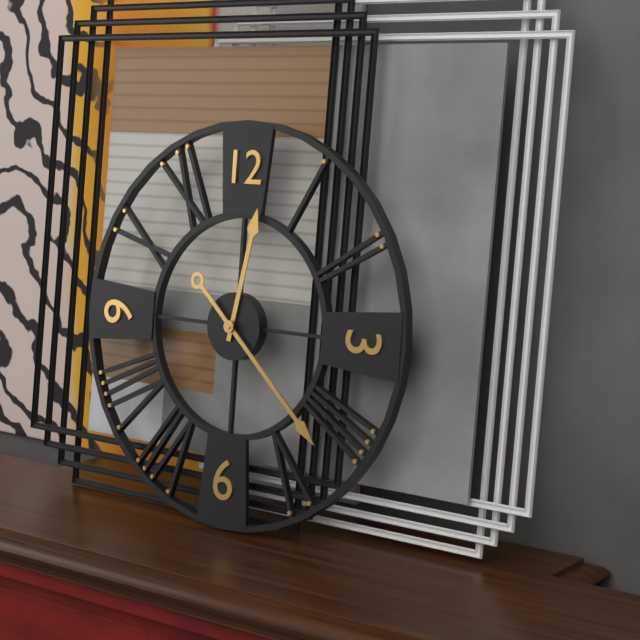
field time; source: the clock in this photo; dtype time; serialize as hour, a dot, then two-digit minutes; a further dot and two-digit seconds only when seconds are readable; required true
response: 12.22
